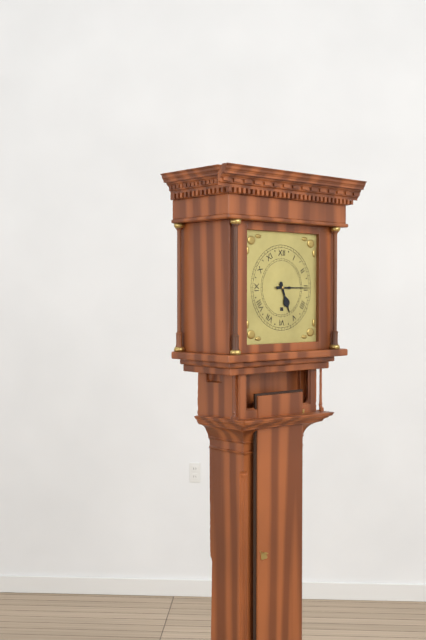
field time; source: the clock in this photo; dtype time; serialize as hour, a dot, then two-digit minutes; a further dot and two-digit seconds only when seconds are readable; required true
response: 5.15
